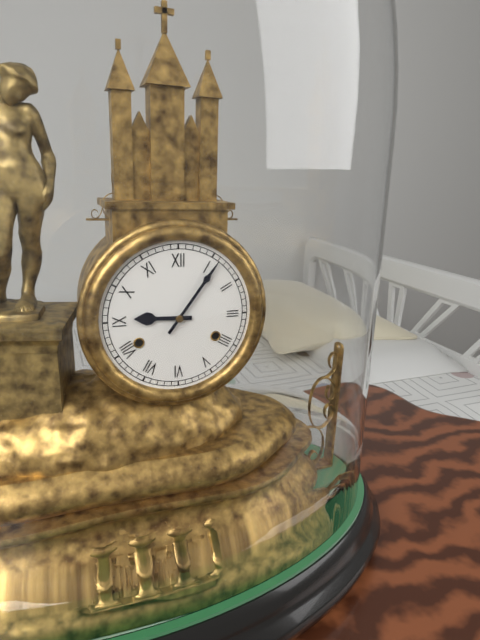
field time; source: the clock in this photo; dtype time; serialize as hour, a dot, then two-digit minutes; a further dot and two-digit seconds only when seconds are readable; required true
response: 9.06
